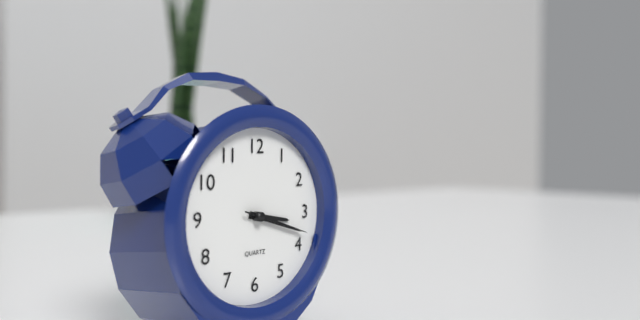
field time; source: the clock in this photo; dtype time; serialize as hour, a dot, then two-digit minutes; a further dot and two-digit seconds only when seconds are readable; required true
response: 3.18.18
